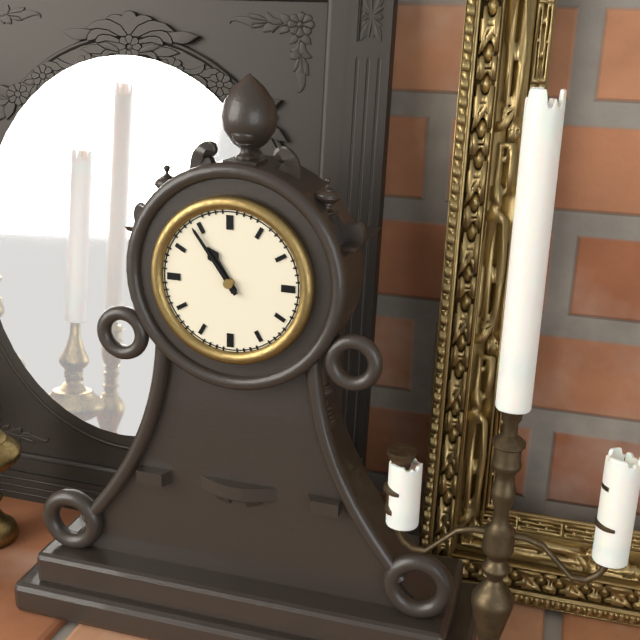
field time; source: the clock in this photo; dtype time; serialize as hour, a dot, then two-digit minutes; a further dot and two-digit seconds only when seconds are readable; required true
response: 10.54
